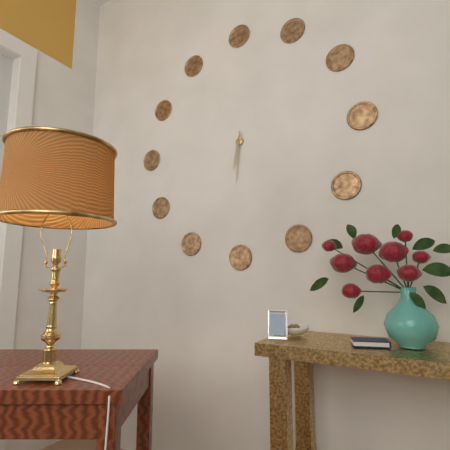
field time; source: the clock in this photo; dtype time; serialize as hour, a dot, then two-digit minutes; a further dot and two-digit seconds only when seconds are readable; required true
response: 6.31
